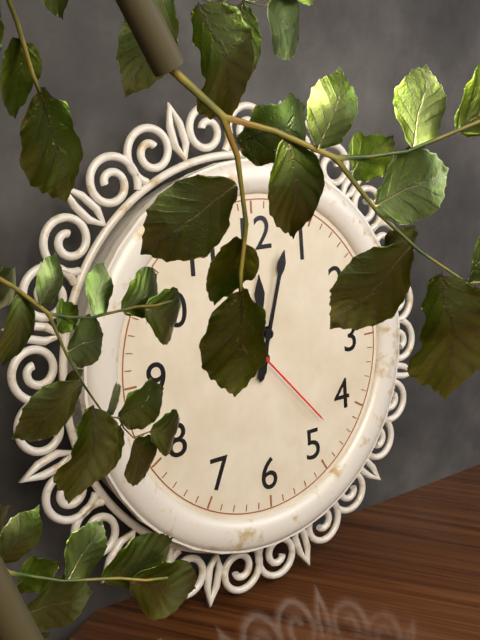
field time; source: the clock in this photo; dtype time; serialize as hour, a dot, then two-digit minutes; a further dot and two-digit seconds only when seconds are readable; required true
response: 12.03.23
